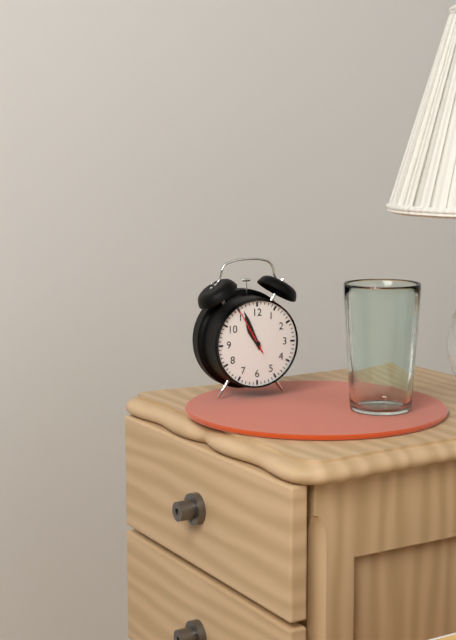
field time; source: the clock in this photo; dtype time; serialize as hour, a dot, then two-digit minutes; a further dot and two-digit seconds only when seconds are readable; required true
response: 10.56
